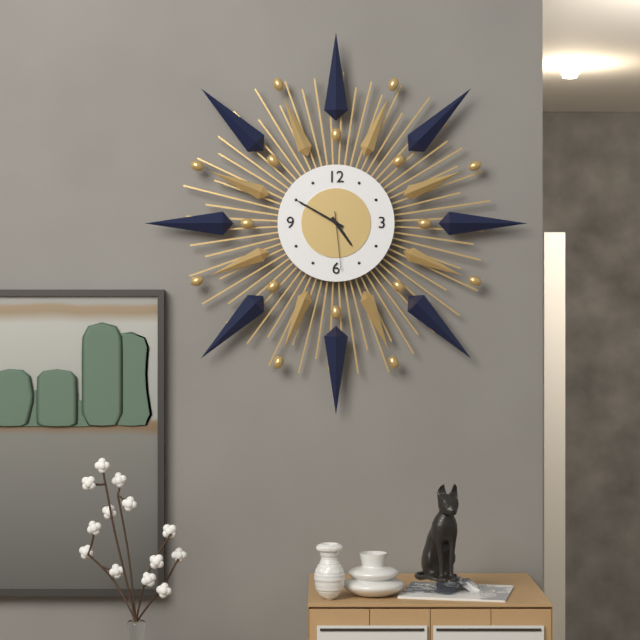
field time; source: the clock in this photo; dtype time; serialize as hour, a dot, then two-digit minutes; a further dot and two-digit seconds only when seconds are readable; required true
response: 4.50.29
